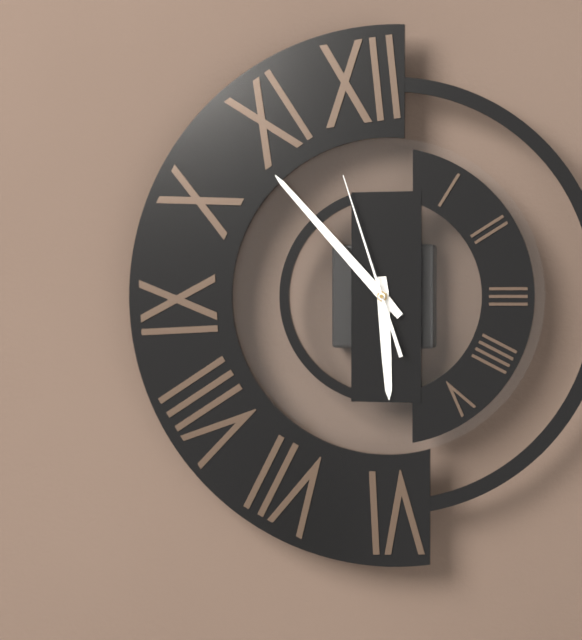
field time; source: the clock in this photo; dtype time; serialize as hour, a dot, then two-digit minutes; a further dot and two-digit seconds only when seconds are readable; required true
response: 5.53.57
